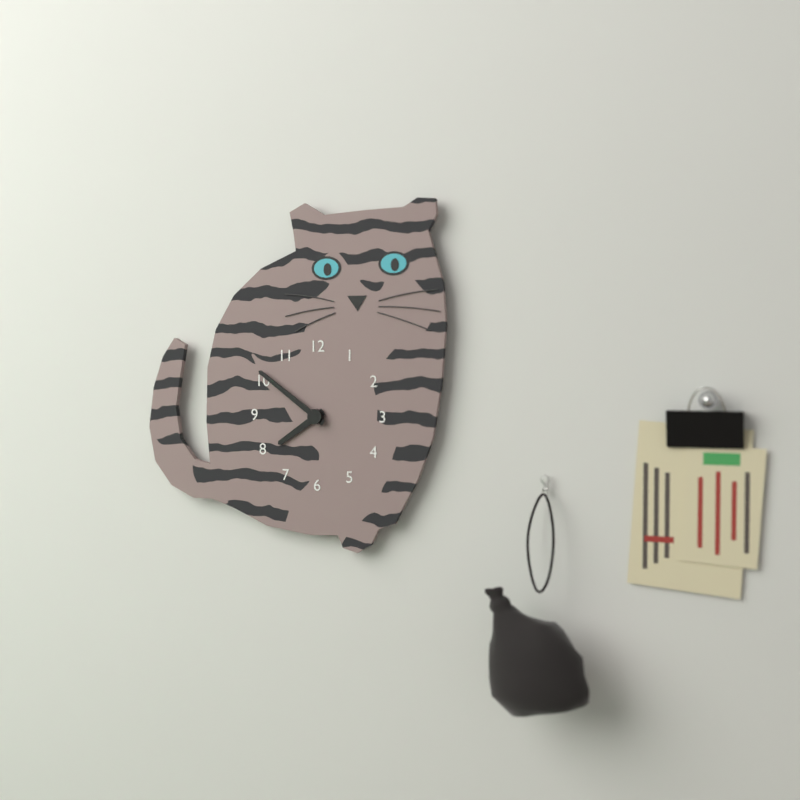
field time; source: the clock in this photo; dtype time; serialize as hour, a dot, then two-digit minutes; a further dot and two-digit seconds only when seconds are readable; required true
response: 7.51
